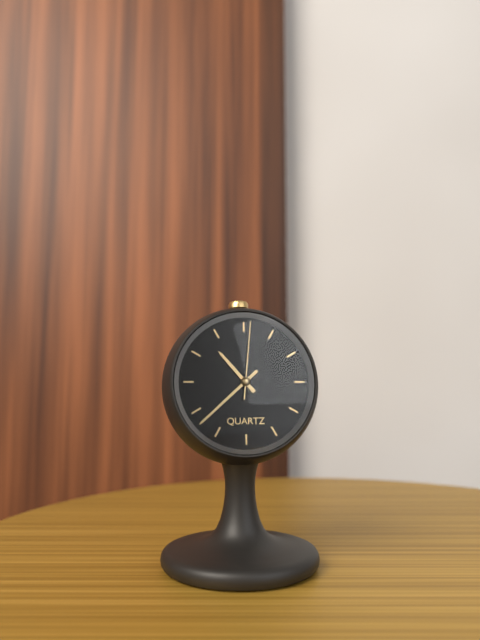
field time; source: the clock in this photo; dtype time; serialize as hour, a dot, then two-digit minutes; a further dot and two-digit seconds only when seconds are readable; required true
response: 10.38.01
